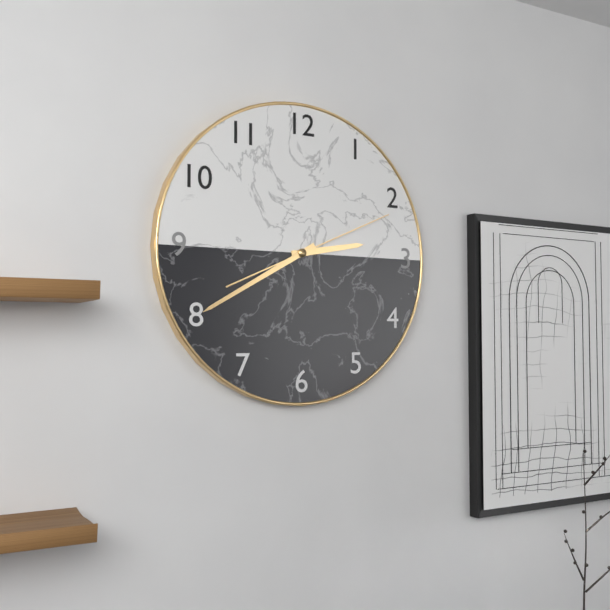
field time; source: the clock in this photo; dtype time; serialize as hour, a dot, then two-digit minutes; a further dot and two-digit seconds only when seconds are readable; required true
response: 2.40.11
